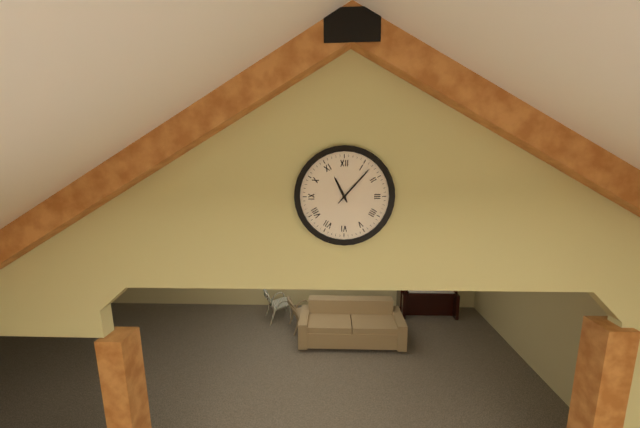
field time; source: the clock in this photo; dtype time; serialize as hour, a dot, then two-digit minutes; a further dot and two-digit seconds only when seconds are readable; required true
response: 11.07
